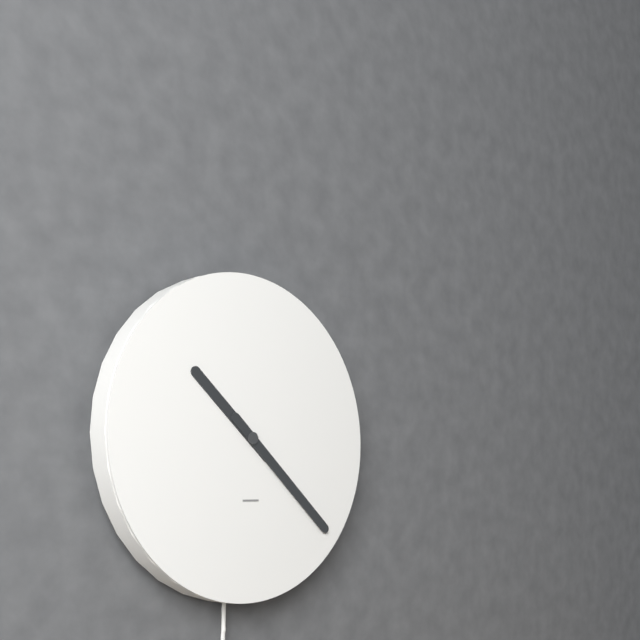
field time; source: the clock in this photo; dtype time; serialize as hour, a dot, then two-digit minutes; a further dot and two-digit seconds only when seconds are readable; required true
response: 10.22
